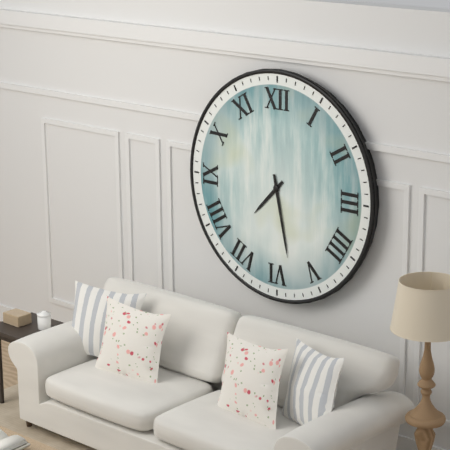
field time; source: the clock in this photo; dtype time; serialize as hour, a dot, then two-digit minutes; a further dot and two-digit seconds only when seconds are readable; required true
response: 7.28
